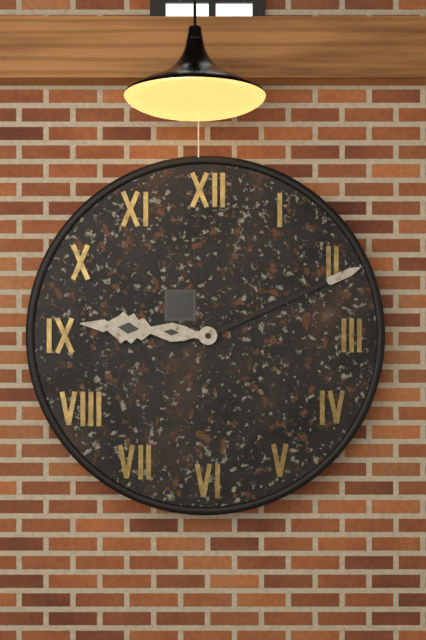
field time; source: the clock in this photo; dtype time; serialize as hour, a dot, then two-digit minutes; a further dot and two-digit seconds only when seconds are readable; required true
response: 9.11
